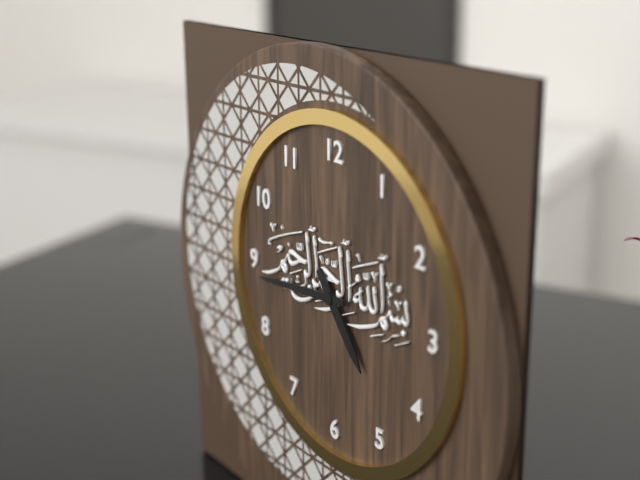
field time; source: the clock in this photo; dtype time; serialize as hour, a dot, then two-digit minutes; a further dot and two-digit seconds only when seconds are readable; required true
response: 4.44
